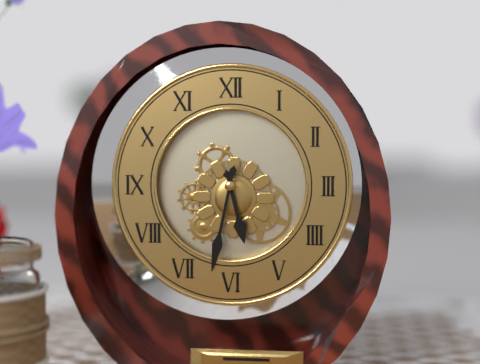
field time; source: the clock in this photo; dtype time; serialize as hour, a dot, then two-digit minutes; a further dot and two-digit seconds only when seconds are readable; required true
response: 5.32
